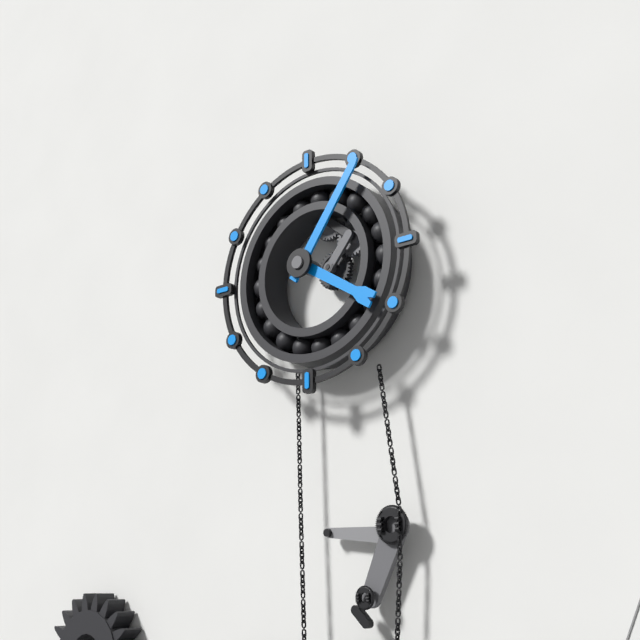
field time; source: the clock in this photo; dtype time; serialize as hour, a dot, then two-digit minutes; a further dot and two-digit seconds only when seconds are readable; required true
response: 4.06
